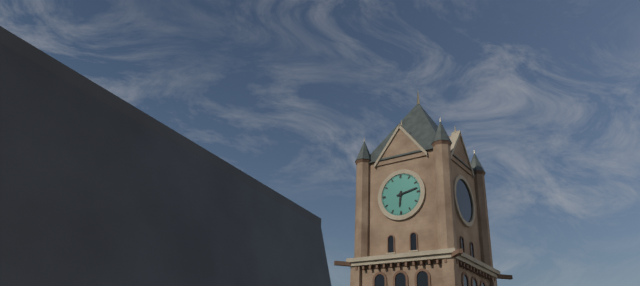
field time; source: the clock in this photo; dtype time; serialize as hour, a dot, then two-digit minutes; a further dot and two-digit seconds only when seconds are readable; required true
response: 6.13
